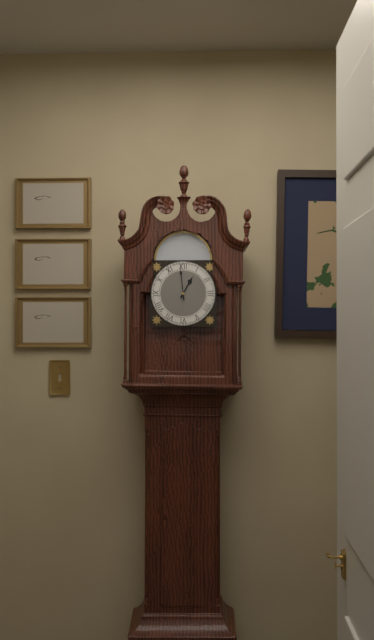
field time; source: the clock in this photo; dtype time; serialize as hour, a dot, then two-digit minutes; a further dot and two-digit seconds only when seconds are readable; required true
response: 12.59
